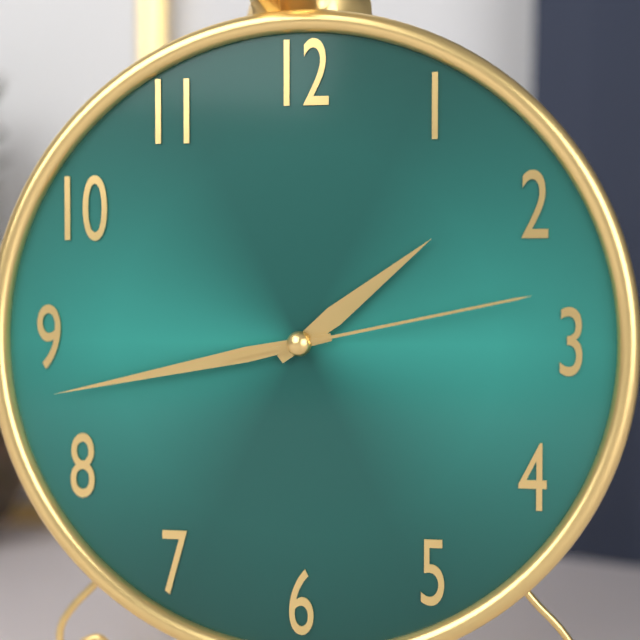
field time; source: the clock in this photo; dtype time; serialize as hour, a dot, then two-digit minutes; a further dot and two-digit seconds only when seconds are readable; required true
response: 1.43.13
